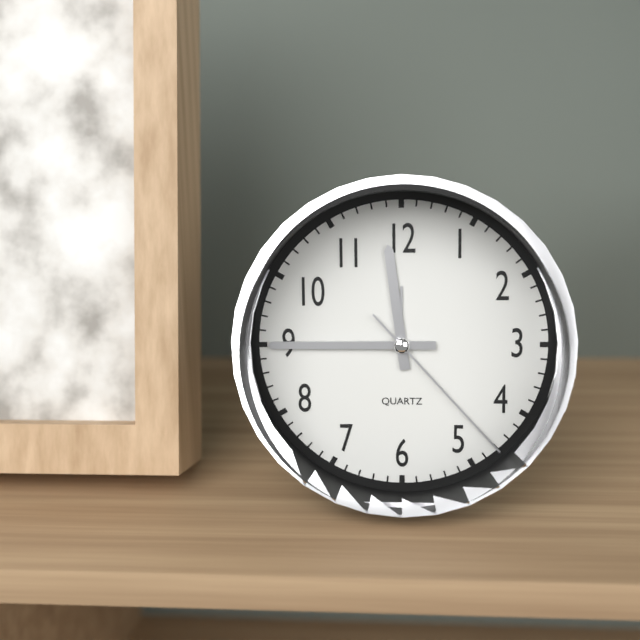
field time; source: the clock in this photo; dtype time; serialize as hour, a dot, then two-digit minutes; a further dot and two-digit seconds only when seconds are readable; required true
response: 11.45.23
